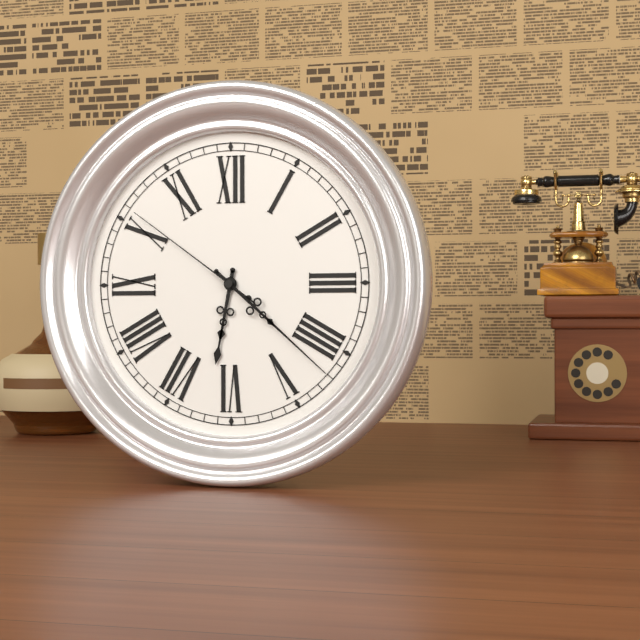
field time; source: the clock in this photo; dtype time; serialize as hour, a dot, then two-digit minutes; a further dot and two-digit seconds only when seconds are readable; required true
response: 6.22.51
